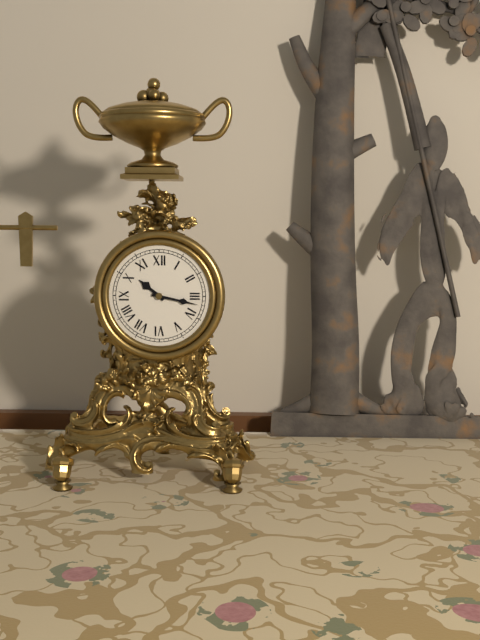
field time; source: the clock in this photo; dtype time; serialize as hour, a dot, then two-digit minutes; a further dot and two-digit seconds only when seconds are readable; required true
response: 10.17
